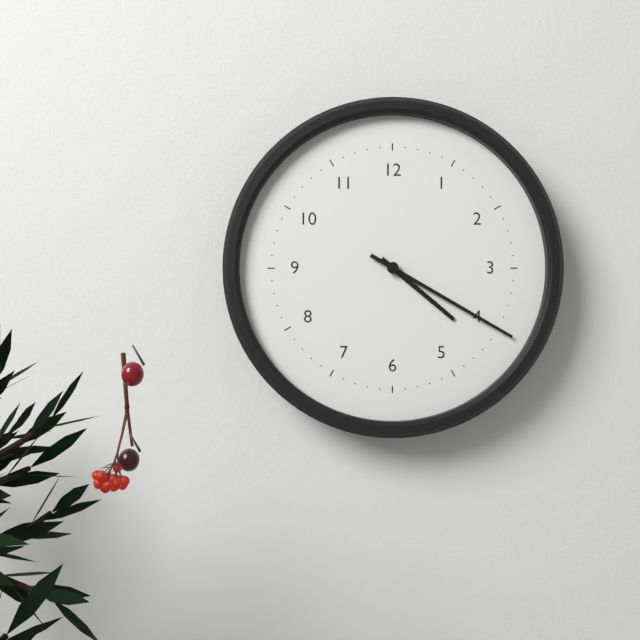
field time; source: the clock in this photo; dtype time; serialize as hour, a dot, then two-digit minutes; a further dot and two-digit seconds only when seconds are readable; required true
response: 4.20
